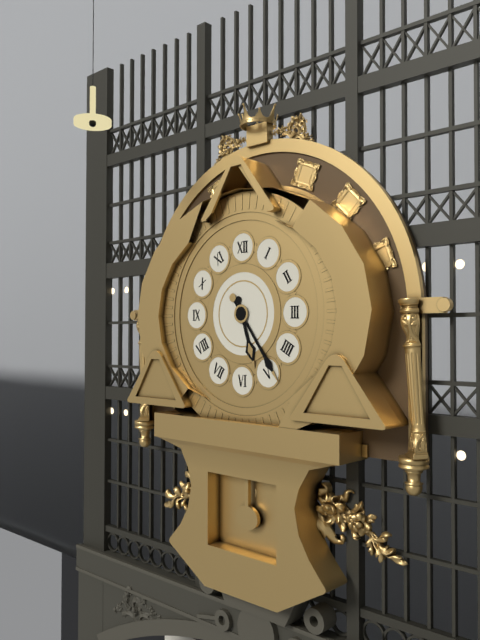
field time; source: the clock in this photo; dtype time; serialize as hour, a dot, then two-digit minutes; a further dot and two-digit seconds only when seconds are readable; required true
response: 5.24
